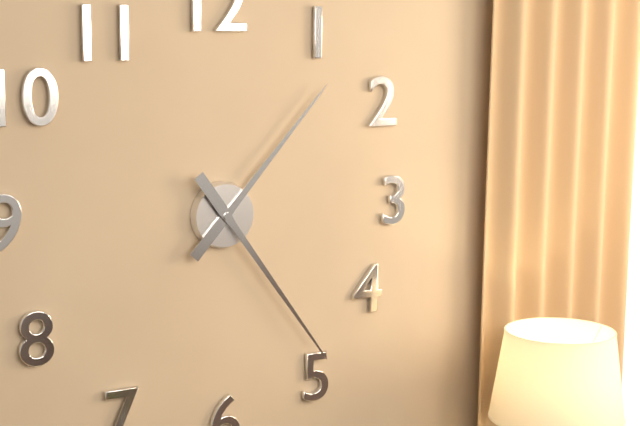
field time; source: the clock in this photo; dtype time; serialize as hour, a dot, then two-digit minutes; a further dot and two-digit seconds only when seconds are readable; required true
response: 1.24
